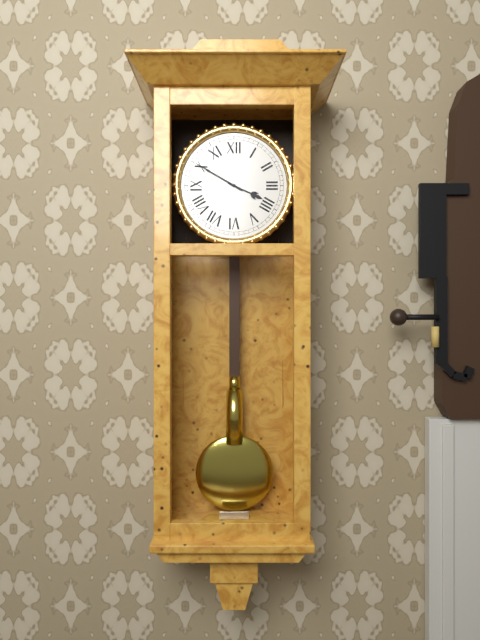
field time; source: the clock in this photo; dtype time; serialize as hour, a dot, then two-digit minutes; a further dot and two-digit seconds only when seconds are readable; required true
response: 3.50
